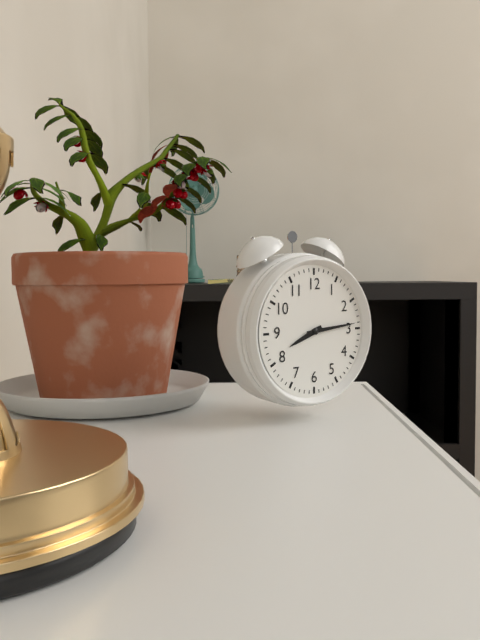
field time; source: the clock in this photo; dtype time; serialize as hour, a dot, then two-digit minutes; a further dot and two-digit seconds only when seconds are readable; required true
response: 8.14
